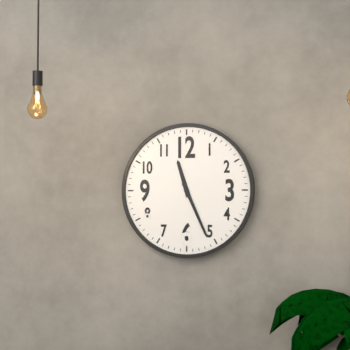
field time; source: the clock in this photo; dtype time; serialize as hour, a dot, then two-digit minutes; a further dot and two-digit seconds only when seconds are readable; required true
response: 11.26
